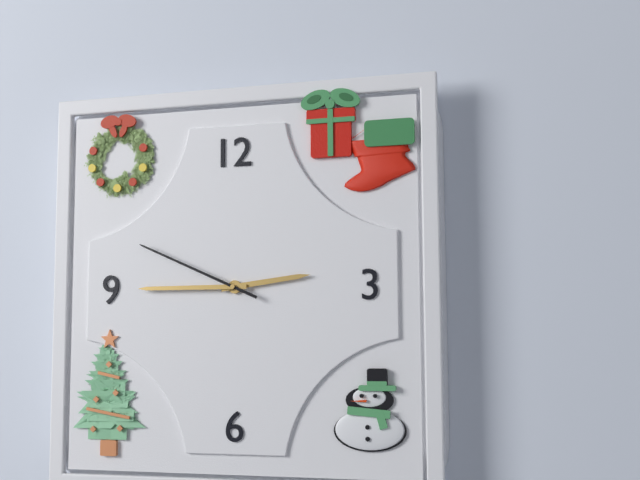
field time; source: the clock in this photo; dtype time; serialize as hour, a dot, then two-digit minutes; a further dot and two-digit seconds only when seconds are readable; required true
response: 2.45.49
